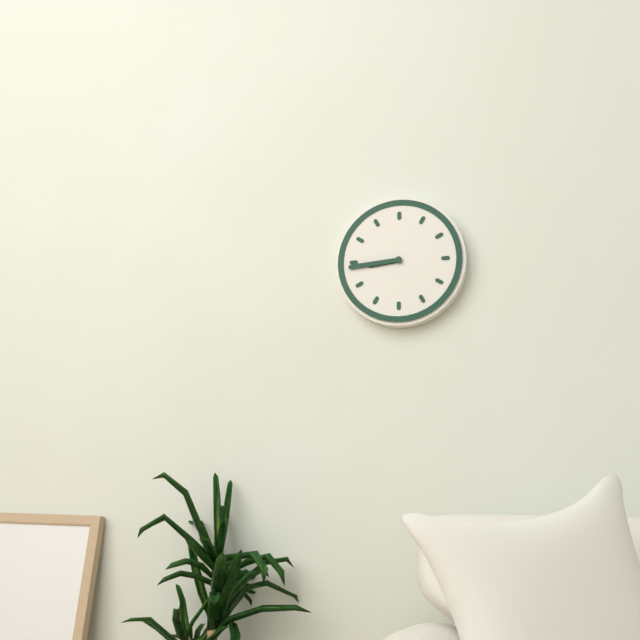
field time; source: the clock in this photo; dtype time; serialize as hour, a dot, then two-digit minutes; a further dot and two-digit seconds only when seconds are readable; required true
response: 8.44
